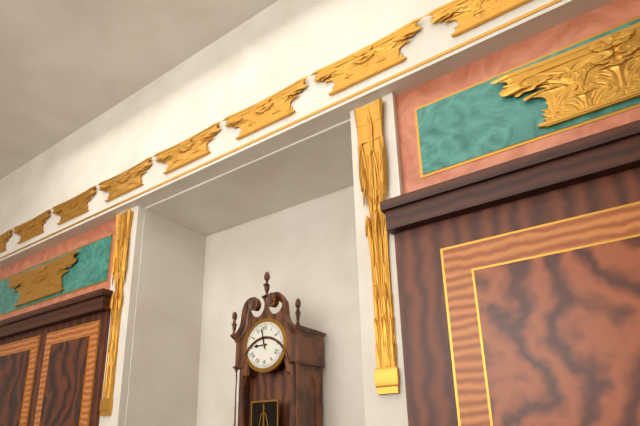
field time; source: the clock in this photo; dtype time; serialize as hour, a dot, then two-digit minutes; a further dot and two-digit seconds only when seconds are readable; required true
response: 8.58
